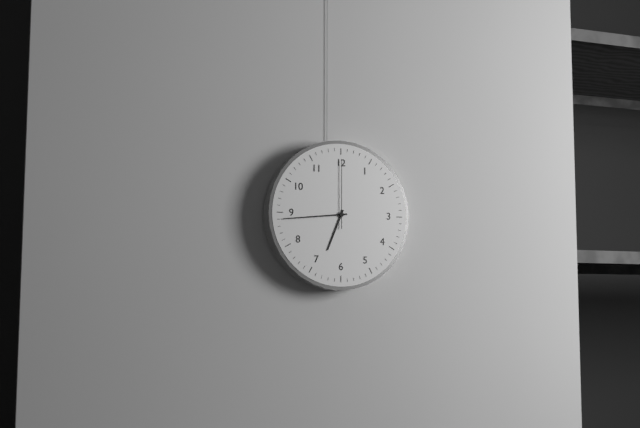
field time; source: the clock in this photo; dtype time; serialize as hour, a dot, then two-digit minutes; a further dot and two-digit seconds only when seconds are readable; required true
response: 6.44.00
